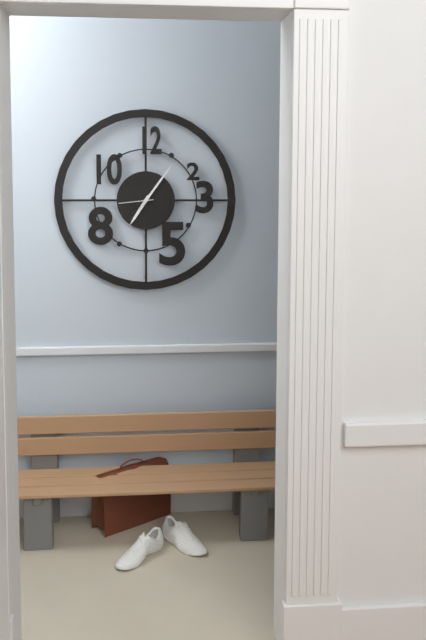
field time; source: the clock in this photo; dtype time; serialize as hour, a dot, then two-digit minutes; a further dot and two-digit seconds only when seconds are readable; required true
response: 7.06
